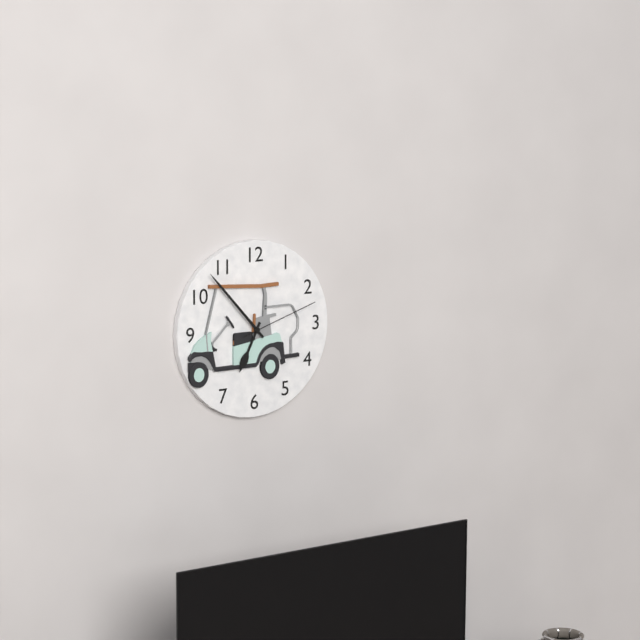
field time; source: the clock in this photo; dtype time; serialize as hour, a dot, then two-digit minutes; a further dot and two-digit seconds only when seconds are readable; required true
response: 6.53.12
